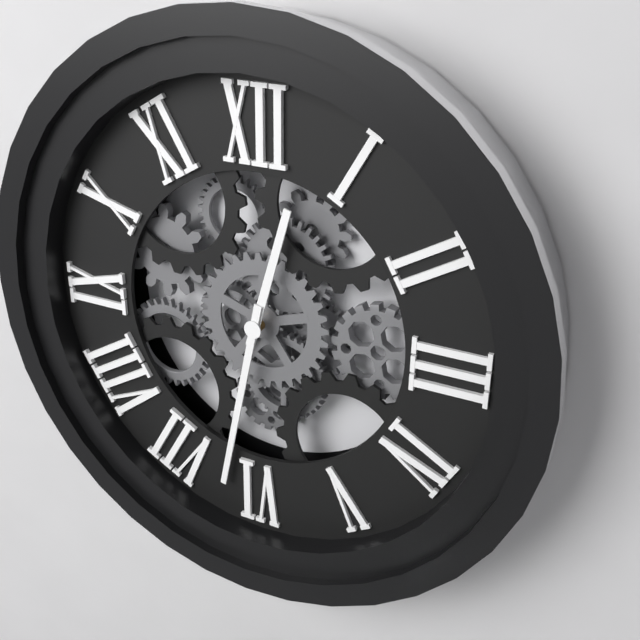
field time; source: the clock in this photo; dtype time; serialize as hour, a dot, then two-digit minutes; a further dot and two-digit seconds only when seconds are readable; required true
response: 12.32
